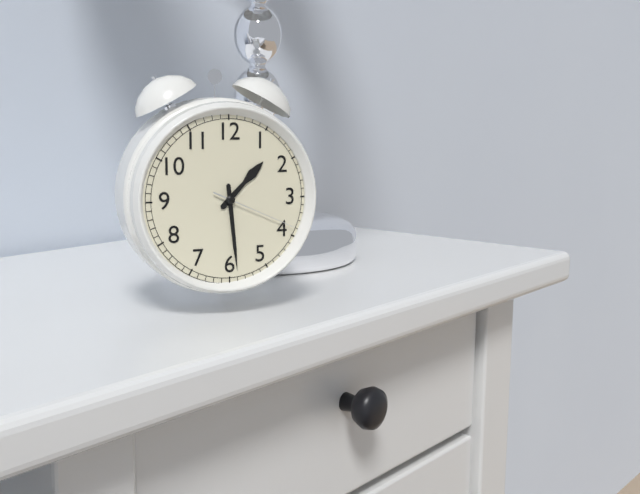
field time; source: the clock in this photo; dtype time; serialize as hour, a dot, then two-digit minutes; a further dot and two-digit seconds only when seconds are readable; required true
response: 1.29.19
